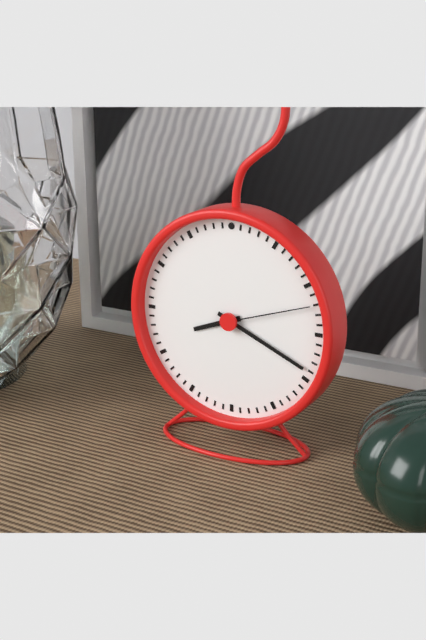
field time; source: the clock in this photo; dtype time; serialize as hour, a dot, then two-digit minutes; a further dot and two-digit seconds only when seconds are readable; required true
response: 8.19.12
